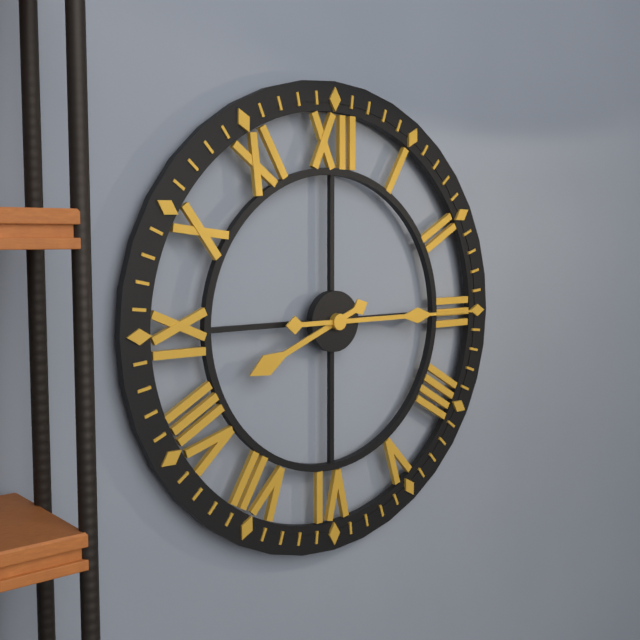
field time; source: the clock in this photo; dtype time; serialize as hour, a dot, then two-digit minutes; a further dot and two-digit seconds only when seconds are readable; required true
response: 8.15
